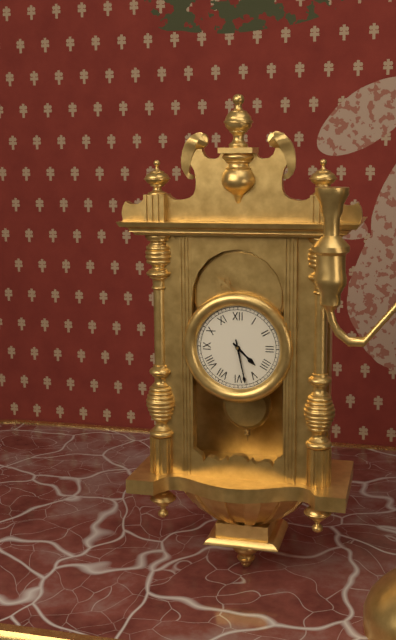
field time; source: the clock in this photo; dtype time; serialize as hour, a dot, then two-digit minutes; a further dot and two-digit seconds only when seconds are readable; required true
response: 4.28
